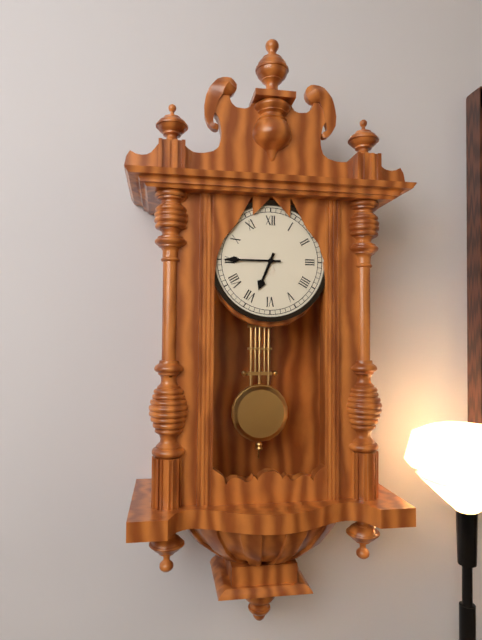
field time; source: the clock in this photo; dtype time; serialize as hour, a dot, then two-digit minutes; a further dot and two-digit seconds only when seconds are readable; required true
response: 6.45
